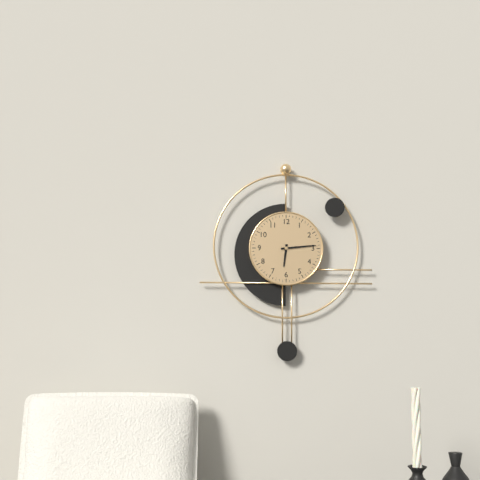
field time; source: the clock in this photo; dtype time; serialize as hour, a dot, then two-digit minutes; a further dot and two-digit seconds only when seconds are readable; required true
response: 6.14
